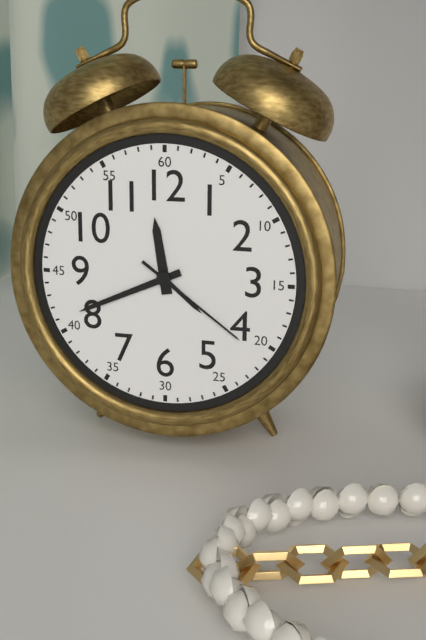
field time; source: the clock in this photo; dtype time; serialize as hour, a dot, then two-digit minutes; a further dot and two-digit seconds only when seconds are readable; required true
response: 11.41.21
